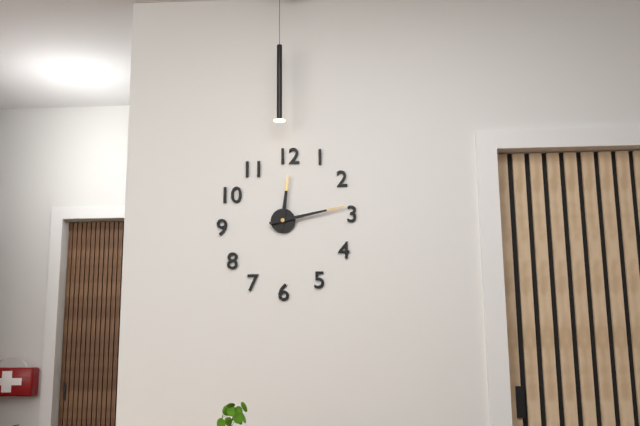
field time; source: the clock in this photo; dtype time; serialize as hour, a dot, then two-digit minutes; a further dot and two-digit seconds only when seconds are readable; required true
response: 12.13
